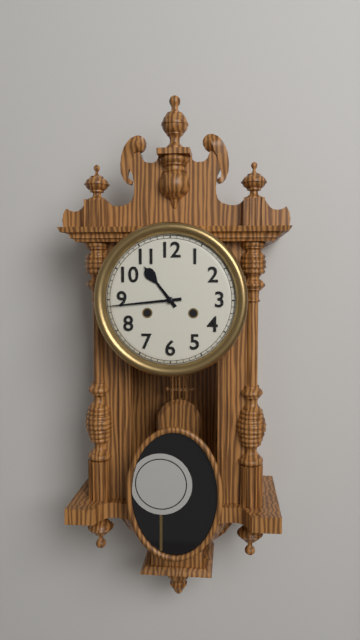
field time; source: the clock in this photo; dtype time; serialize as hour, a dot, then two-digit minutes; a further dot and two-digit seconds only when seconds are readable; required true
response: 10.44
